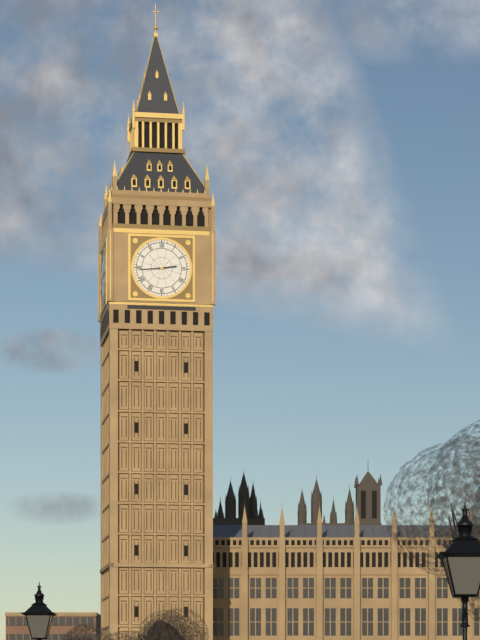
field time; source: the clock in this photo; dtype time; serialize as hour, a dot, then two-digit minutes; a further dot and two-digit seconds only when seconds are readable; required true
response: 2.44
